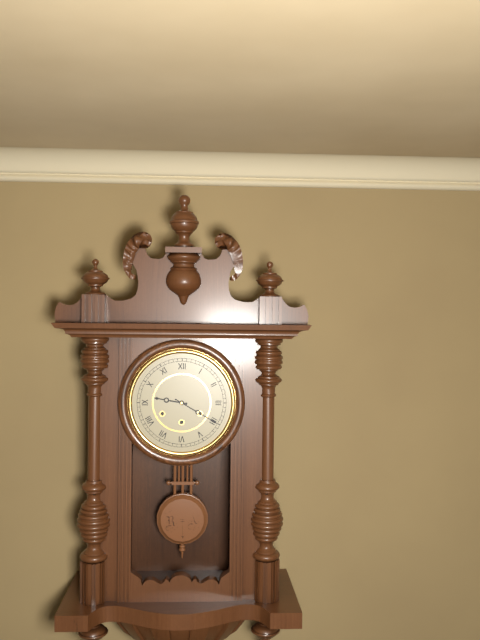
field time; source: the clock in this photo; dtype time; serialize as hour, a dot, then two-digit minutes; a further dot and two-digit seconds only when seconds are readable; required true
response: 9.20
